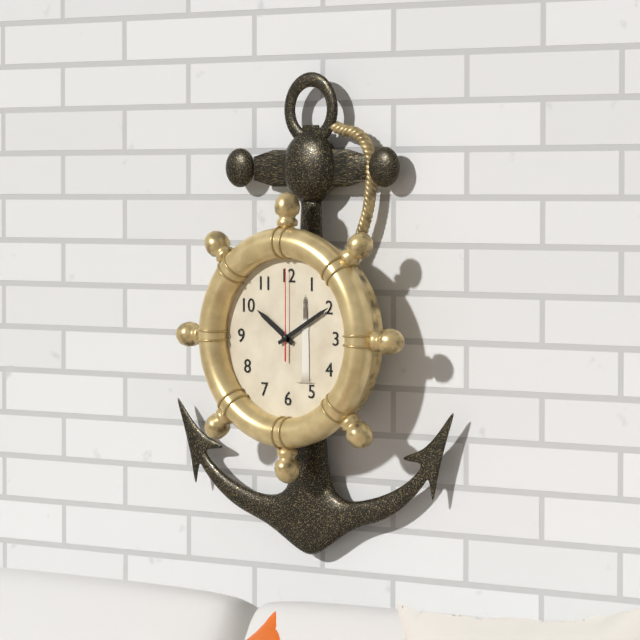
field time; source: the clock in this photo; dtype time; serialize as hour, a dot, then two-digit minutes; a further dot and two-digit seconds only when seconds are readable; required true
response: 10.10.00
